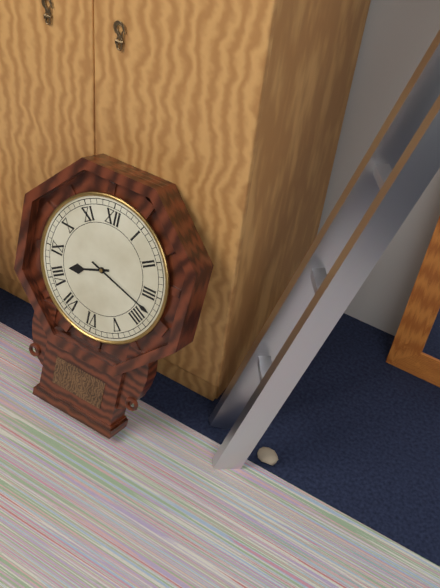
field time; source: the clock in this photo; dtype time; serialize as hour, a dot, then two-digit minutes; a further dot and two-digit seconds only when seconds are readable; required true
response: 8.18
